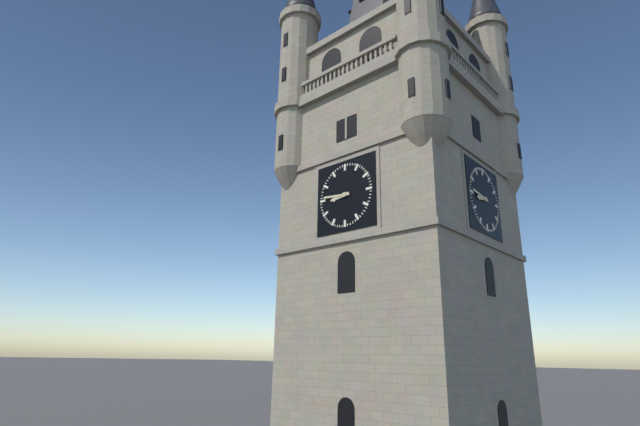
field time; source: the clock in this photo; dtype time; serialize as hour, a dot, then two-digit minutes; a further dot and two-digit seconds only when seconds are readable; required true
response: 8.46
